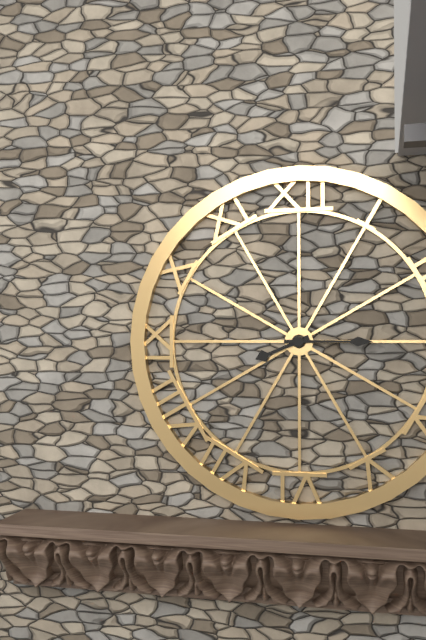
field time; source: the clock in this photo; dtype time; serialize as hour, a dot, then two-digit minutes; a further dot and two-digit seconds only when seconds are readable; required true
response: 8.15
